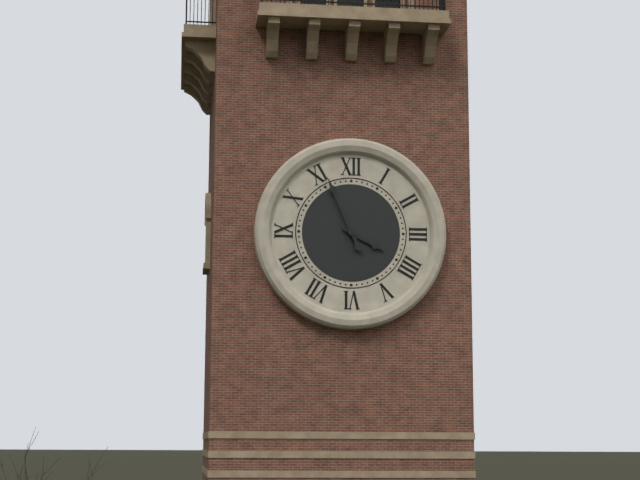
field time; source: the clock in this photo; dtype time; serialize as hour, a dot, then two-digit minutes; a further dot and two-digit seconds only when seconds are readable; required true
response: 3.56
